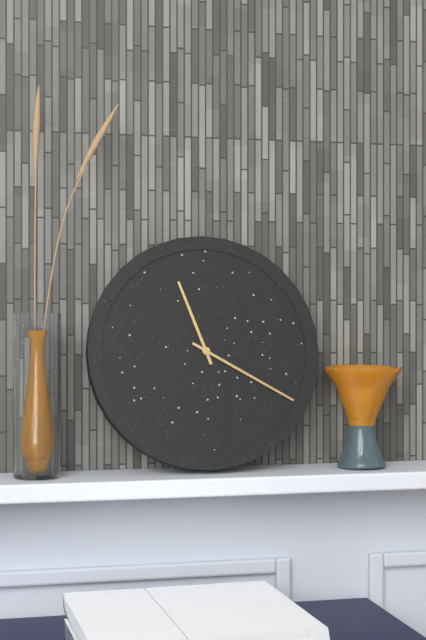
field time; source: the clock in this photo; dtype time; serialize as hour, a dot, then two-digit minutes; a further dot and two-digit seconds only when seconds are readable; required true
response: 11.20
